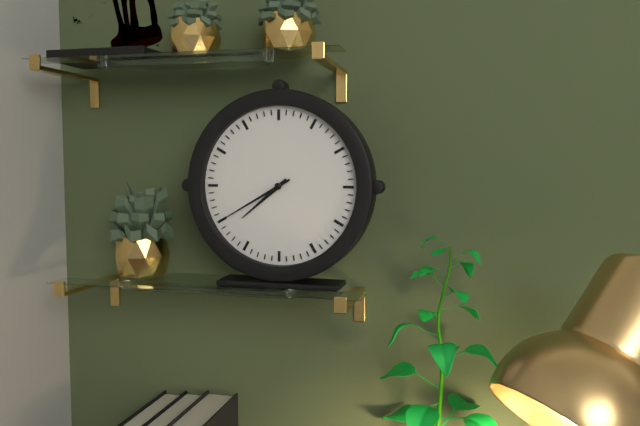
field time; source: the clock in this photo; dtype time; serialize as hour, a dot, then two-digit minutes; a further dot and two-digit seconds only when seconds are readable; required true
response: 7.40
